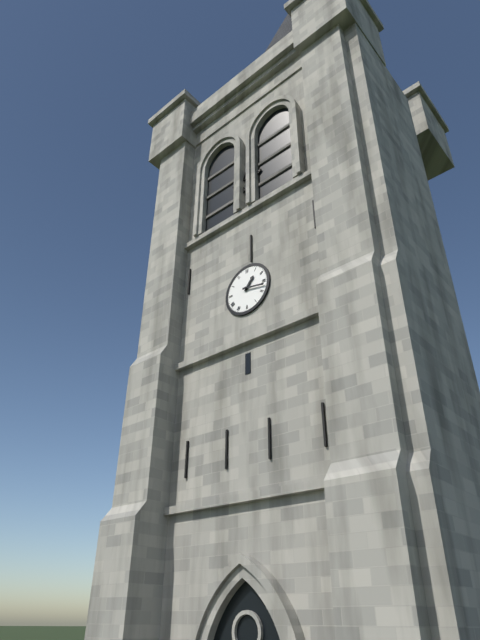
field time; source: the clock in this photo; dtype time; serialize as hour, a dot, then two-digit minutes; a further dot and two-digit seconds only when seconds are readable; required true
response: 1.17
